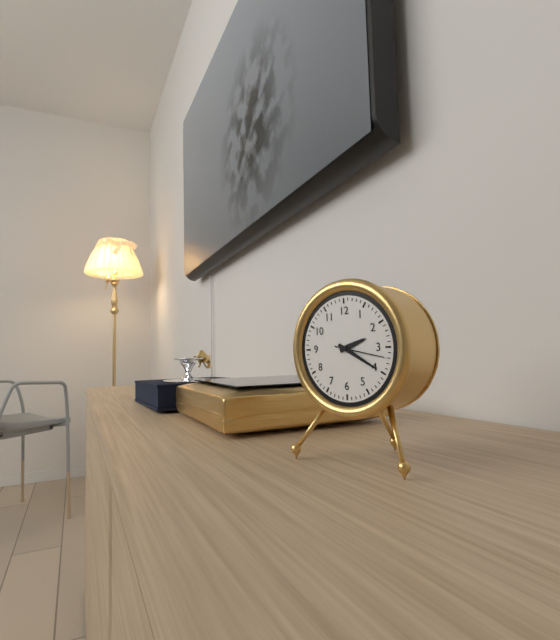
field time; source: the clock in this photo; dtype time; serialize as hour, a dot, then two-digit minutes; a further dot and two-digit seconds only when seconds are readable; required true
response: 2.20.17
